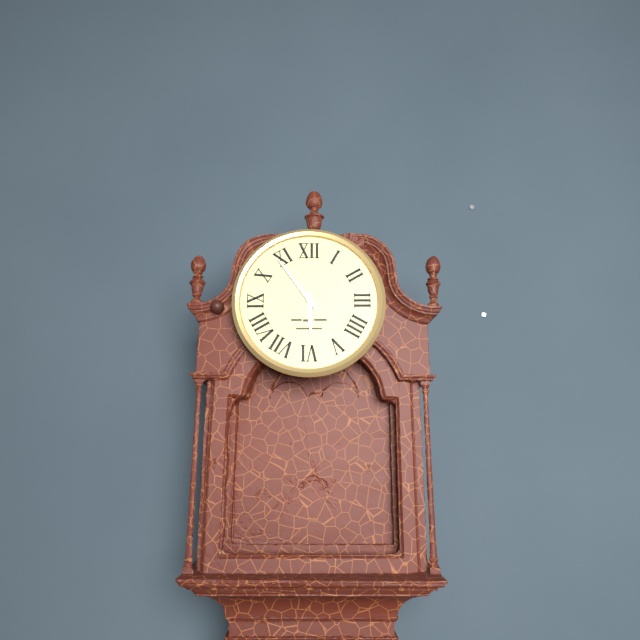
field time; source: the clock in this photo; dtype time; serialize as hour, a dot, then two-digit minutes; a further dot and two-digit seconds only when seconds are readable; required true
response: 5.54
